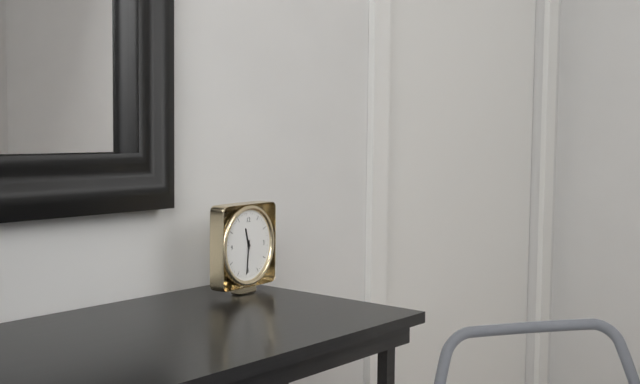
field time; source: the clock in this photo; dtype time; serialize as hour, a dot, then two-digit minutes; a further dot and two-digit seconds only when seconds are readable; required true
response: 11.31
